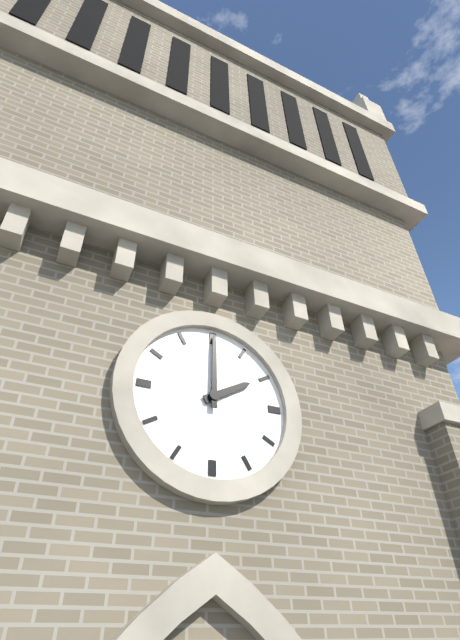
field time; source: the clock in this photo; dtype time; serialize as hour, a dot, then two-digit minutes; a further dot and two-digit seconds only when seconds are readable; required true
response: 2.00
